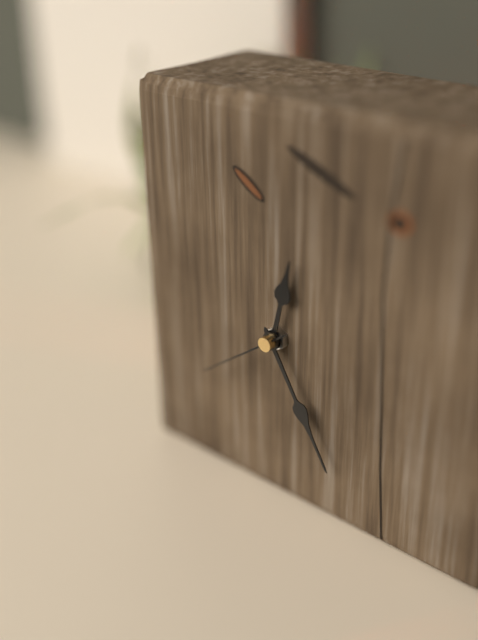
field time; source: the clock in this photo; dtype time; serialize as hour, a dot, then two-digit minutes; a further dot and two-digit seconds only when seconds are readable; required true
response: 12.25.39
